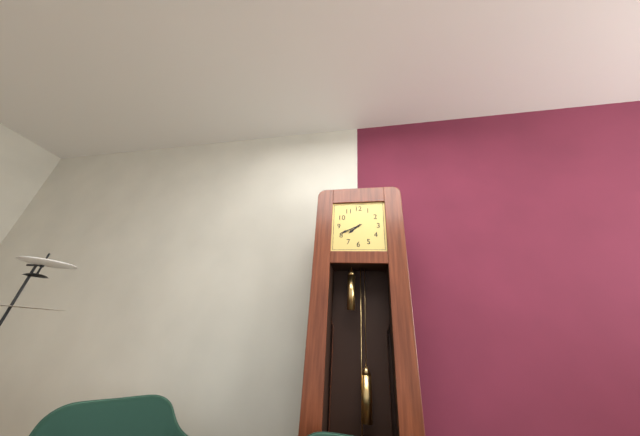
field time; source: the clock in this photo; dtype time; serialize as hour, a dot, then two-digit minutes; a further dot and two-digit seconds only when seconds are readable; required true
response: 7.41
